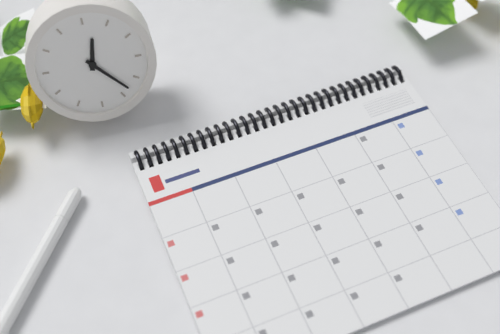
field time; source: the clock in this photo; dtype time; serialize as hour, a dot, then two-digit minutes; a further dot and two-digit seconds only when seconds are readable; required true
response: 12.23
